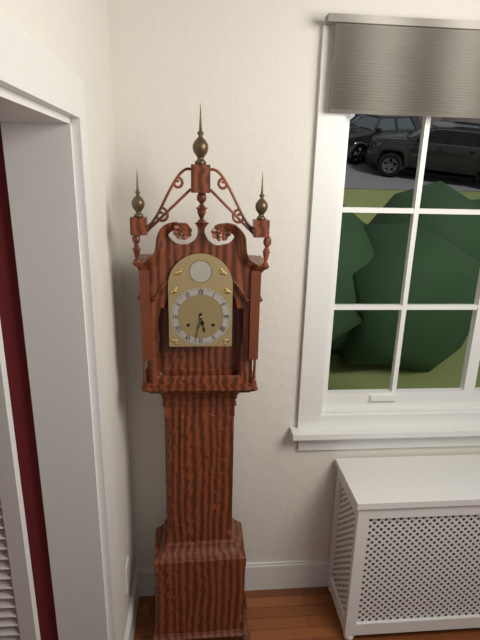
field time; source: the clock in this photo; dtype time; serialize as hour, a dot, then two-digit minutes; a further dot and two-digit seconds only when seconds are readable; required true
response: 5.32
